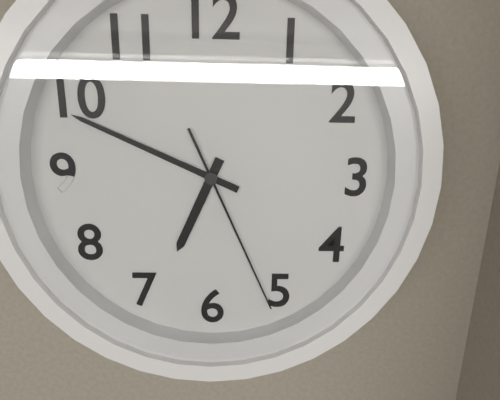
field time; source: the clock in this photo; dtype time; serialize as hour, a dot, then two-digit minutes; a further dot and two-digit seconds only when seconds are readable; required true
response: 6.49.26
